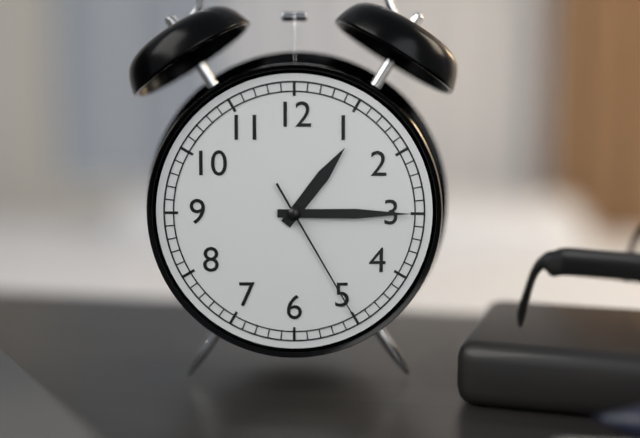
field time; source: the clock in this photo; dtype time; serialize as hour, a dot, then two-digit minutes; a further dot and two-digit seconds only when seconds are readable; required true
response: 1.15.25
